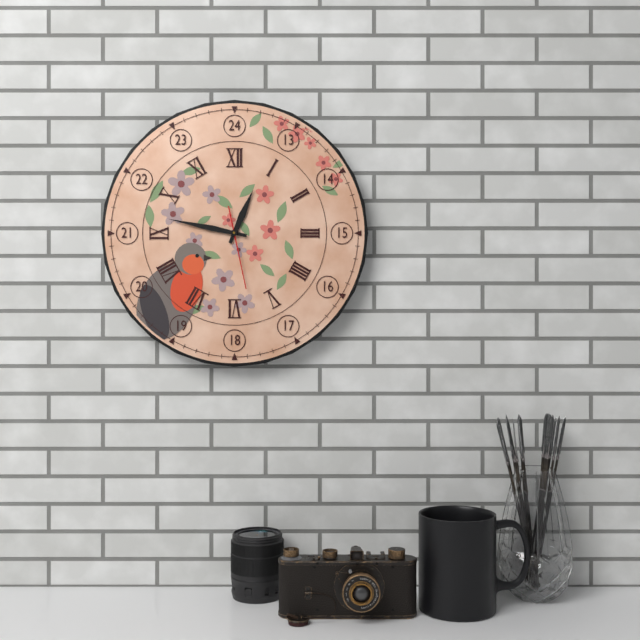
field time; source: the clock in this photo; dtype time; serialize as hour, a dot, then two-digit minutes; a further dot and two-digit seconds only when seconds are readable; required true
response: 12.47.28
